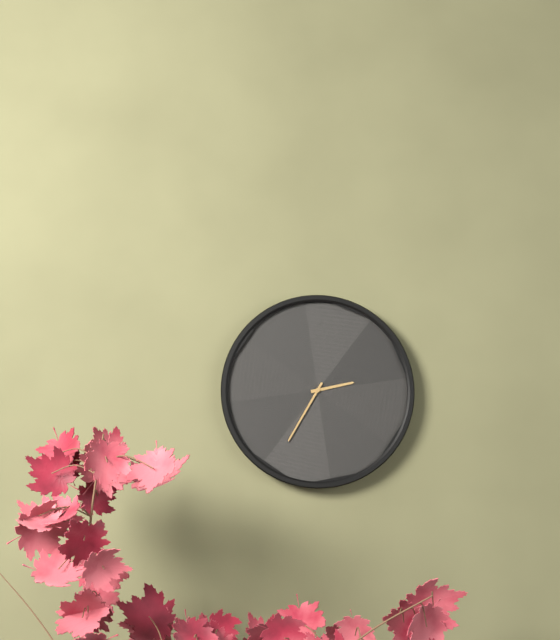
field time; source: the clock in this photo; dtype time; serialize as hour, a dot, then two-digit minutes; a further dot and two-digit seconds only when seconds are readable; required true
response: 2.35
